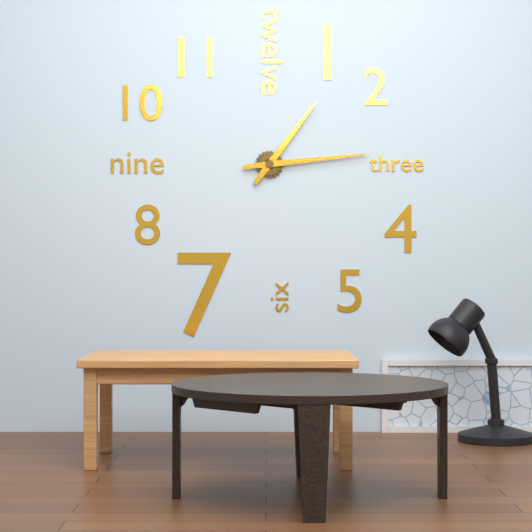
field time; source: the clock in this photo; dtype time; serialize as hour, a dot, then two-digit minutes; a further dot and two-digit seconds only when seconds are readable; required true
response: 1.14
